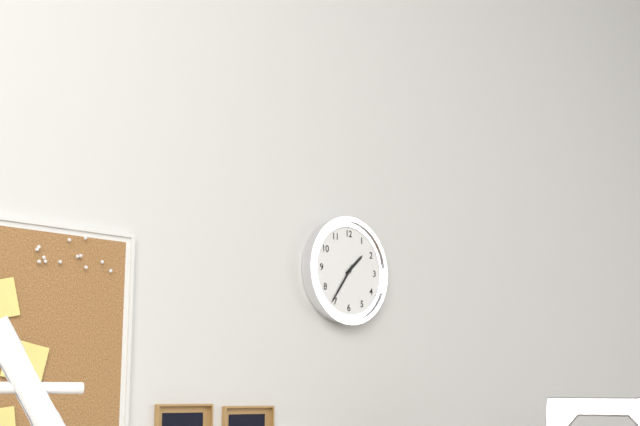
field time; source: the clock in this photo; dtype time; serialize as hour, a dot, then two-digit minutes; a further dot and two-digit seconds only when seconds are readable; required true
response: 1.36
